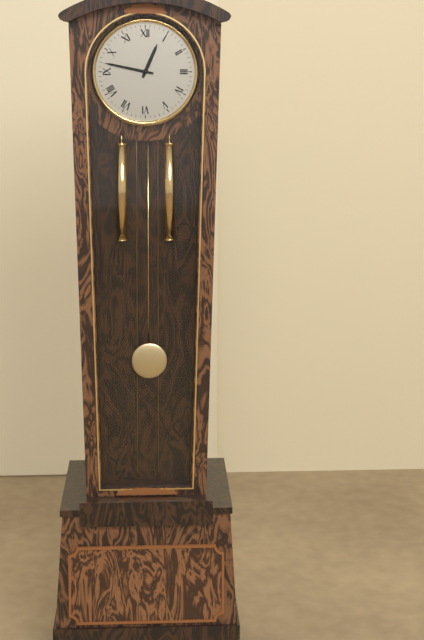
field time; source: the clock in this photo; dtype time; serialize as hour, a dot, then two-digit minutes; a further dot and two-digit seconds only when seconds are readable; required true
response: 12.47
